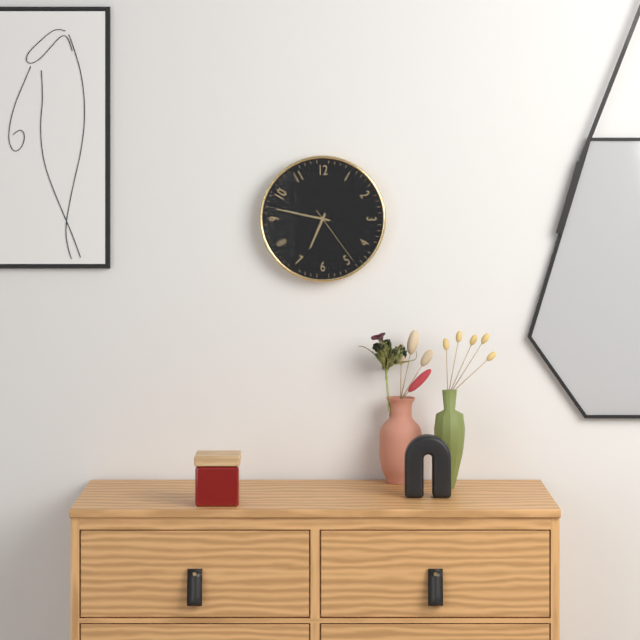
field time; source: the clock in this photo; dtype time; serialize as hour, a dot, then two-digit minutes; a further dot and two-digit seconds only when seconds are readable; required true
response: 6.47.24
